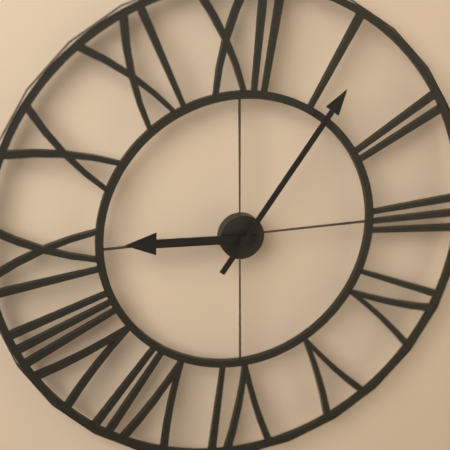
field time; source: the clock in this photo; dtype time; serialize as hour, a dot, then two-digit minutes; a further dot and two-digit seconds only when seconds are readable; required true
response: 9.06
